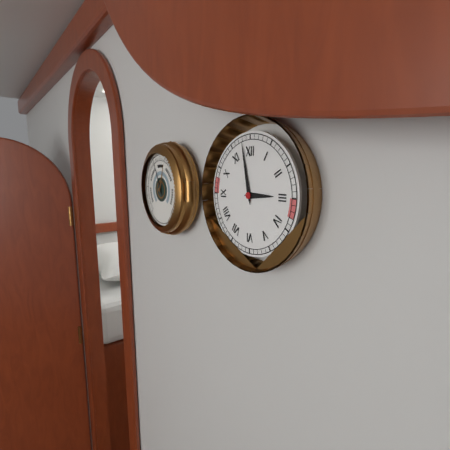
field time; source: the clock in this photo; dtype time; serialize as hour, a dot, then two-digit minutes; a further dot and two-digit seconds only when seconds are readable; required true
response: 2.58
